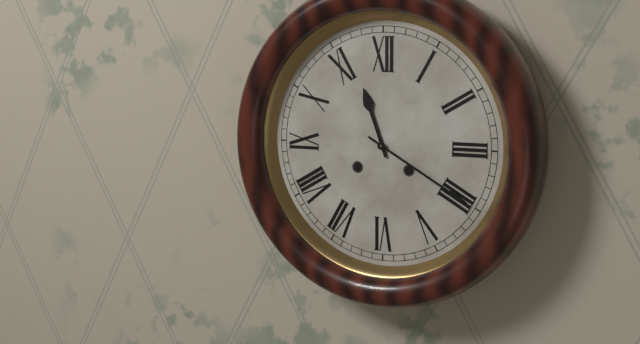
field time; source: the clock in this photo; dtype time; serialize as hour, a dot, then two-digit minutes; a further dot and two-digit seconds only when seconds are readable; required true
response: 11.20
